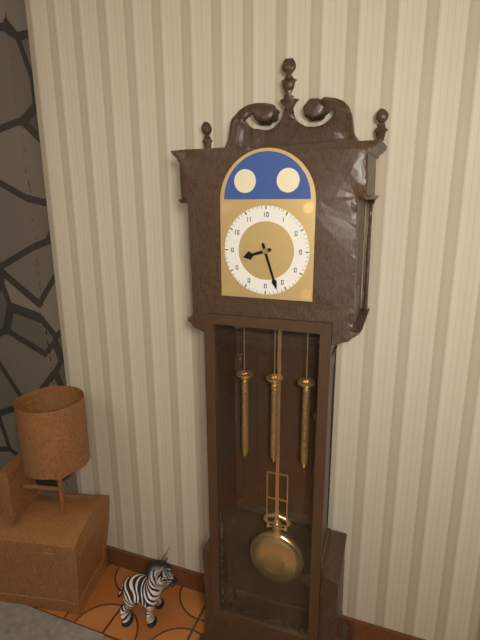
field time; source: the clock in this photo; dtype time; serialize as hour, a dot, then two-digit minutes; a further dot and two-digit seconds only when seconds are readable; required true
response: 8.27
